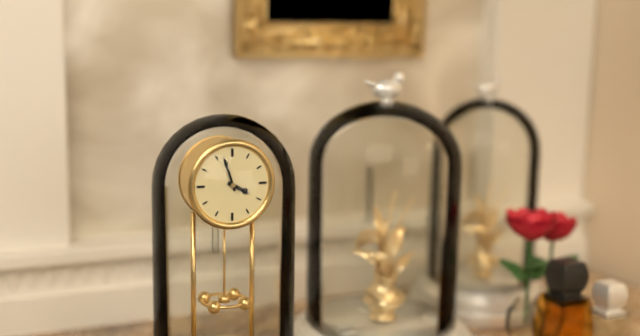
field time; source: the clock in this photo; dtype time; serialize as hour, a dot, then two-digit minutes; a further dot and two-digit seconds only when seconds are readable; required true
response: 3.57
